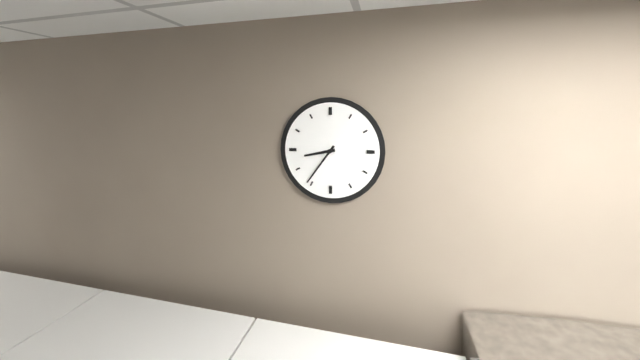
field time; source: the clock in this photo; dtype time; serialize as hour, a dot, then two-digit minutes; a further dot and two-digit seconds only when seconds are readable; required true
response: 8.36
